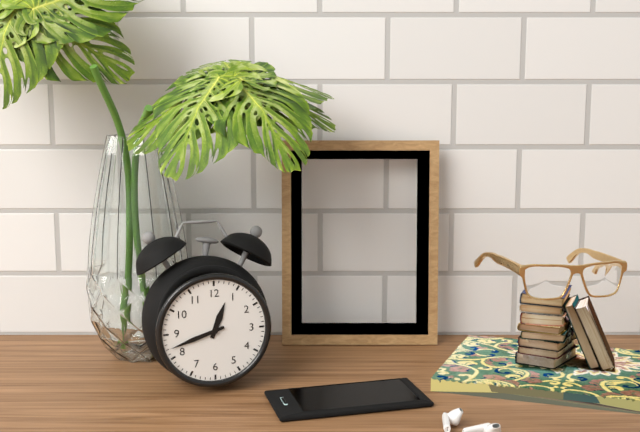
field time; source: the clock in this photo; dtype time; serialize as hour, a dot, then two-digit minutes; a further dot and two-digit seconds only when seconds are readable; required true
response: 12.42
